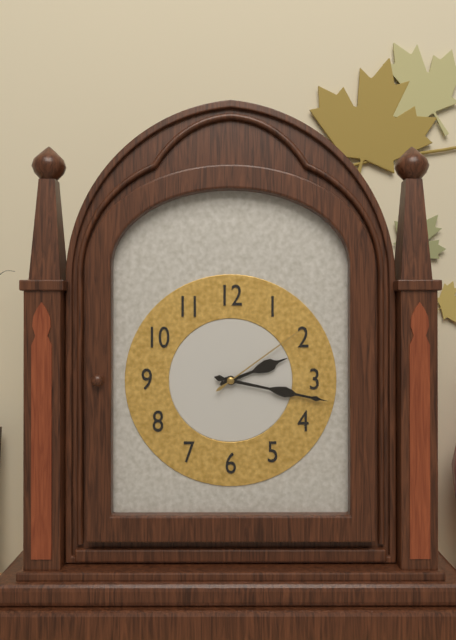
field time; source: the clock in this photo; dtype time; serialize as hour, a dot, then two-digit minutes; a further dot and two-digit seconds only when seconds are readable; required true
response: 2.17.09
